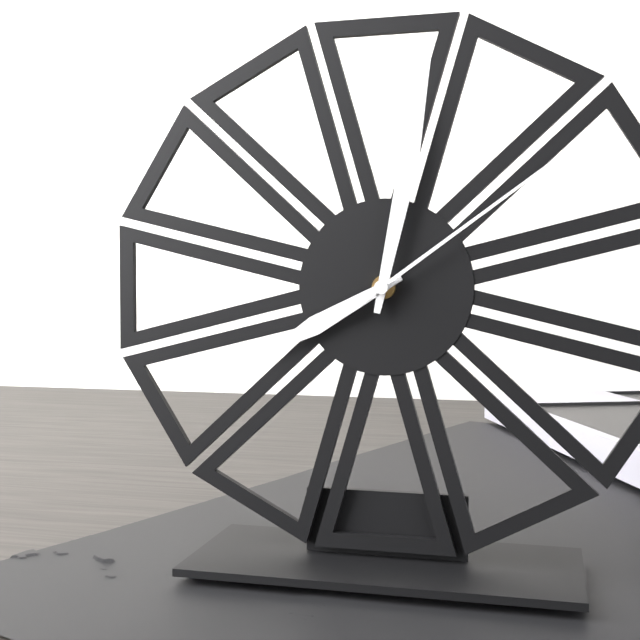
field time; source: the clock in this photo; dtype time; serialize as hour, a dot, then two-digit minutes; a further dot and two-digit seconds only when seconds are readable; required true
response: 8.02.09
